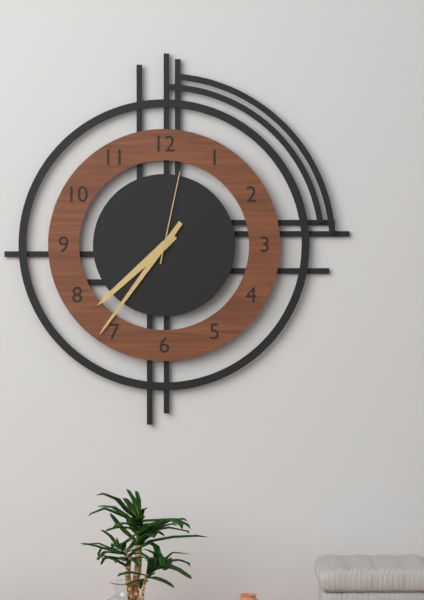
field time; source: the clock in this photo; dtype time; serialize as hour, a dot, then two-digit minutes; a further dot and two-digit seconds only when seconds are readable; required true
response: 7.36.02
